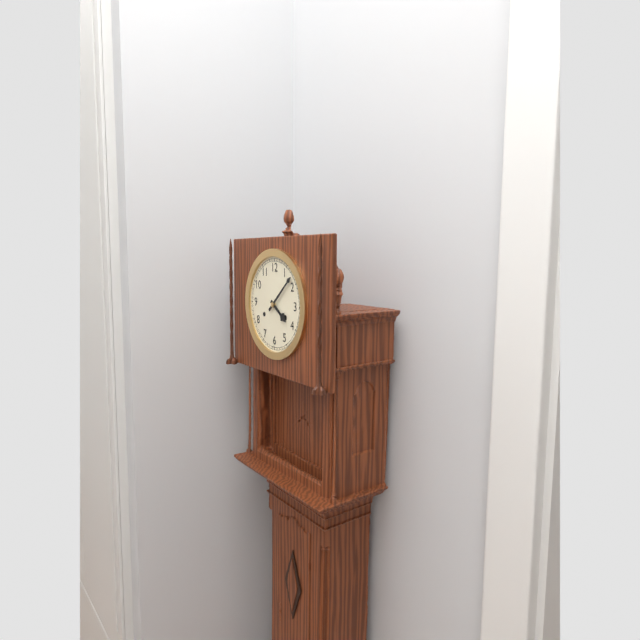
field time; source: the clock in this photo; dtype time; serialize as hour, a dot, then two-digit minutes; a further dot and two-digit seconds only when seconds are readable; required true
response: 4.08
